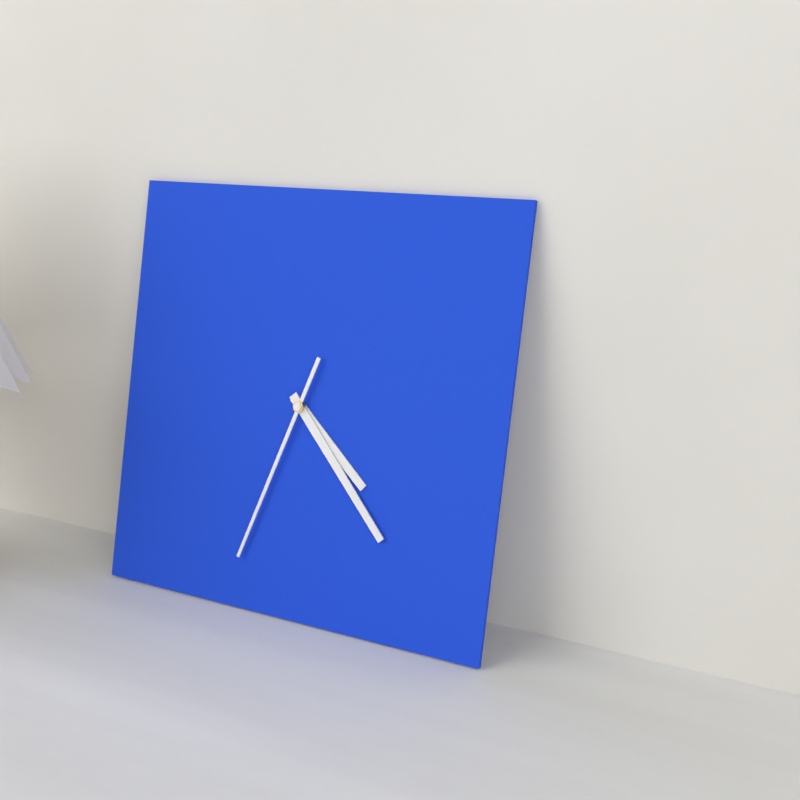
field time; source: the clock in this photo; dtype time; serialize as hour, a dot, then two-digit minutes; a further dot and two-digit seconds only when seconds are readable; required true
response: 4.23.33
